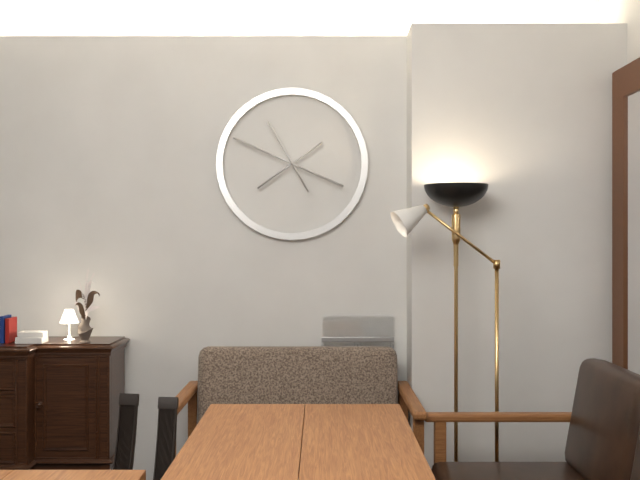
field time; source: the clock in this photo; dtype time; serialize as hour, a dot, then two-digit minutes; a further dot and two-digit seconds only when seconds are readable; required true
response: 7.49.55
